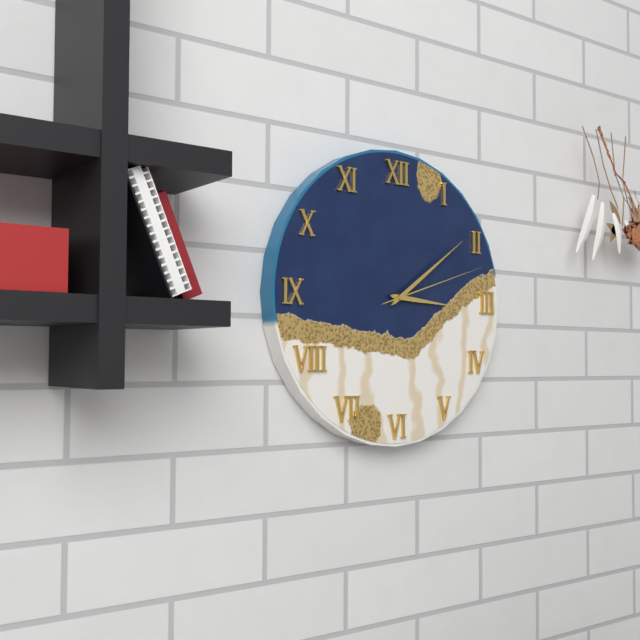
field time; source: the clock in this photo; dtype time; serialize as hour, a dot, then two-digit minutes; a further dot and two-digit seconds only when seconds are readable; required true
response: 3.09.12
